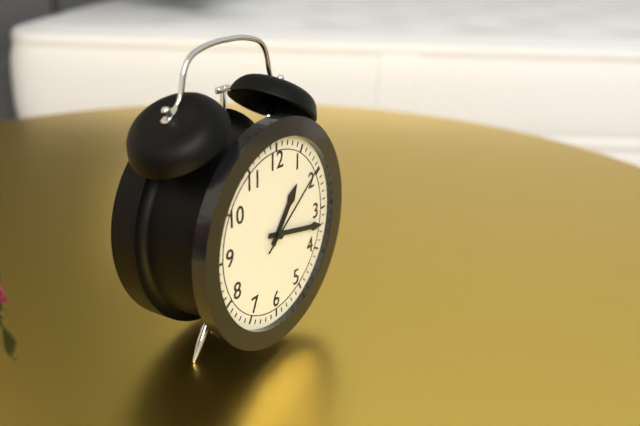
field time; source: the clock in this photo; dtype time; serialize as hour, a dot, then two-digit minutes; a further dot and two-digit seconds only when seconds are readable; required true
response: 1.17.09
